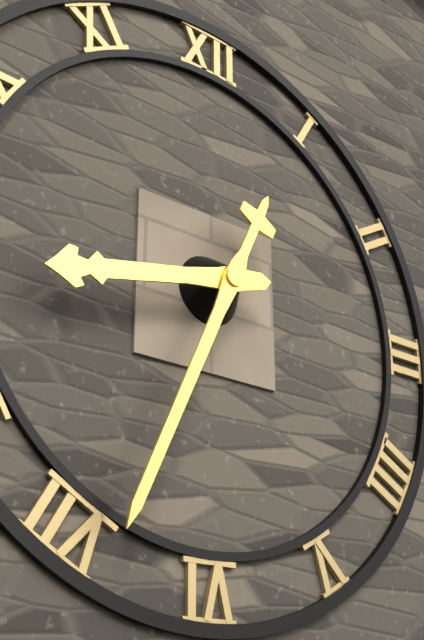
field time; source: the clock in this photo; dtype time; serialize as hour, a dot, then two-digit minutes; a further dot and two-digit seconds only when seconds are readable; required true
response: 8.34
